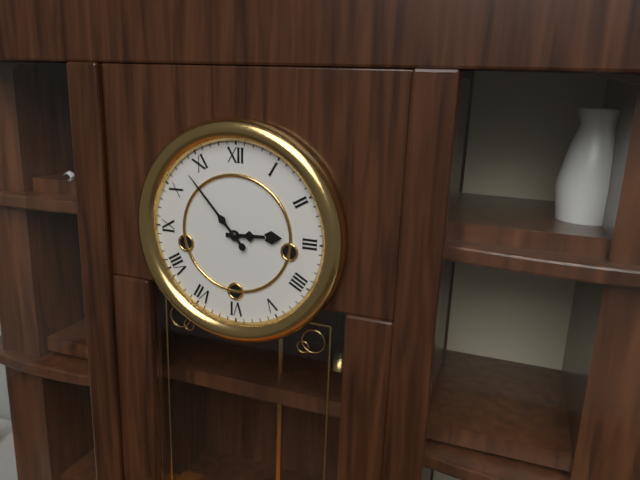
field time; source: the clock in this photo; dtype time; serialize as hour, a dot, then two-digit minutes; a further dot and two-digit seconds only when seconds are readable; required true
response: 2.53
